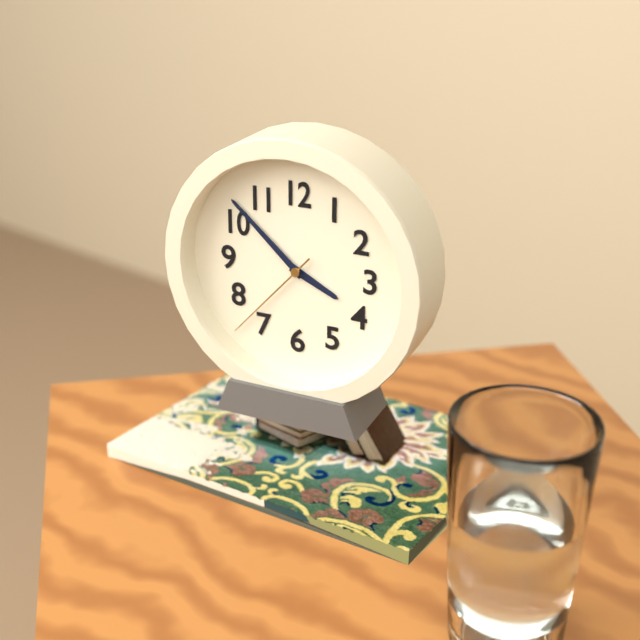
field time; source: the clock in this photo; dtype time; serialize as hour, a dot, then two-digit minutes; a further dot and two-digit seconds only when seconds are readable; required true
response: 3.52.37
